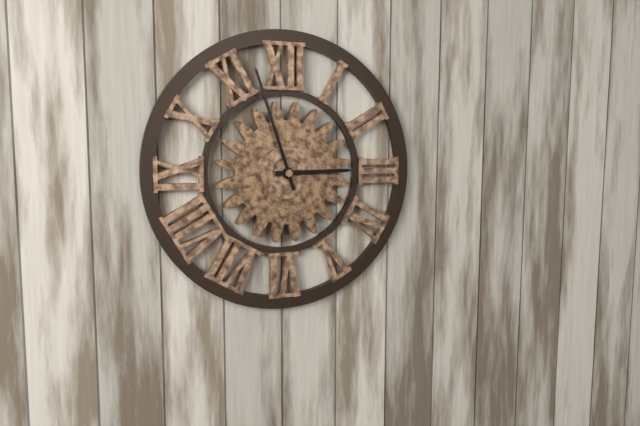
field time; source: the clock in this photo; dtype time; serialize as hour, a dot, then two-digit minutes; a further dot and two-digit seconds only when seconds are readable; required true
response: 2.57
